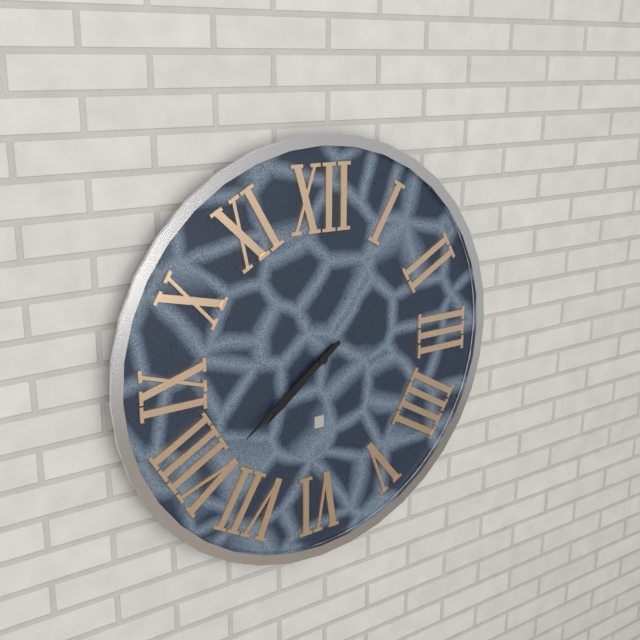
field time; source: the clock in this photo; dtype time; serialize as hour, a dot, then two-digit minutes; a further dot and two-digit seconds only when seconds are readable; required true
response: 7.39
